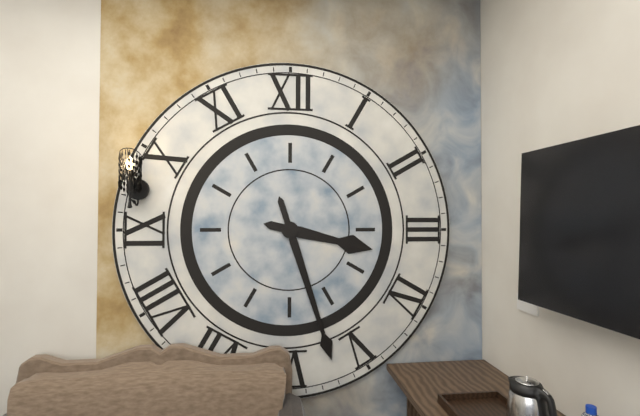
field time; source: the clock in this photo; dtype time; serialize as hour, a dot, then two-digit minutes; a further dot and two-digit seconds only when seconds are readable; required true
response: 3.27
